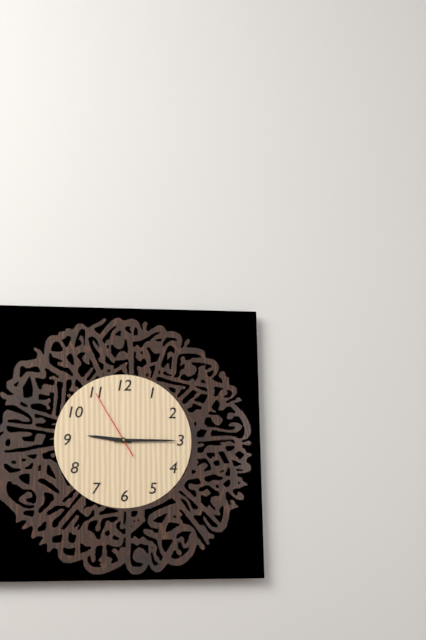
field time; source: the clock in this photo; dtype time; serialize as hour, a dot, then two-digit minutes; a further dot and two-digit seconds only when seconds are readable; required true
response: 9.15.55
